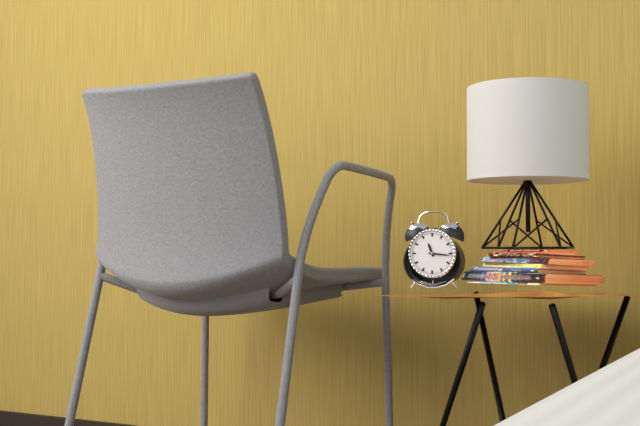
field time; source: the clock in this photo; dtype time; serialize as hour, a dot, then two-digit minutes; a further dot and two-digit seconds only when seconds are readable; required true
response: 11.16
